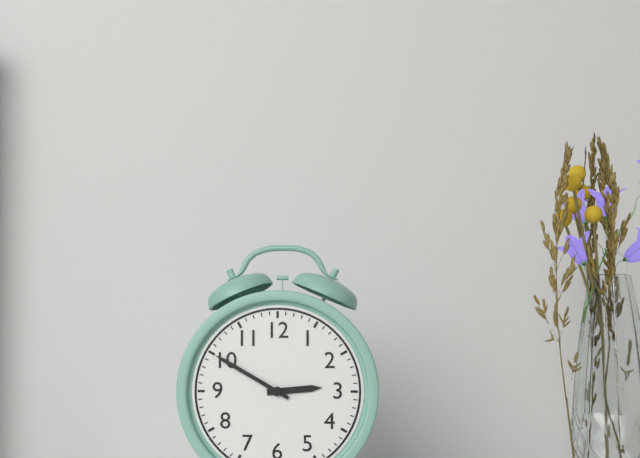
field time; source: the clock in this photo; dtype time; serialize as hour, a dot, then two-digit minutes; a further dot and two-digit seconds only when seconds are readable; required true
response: 2.50
